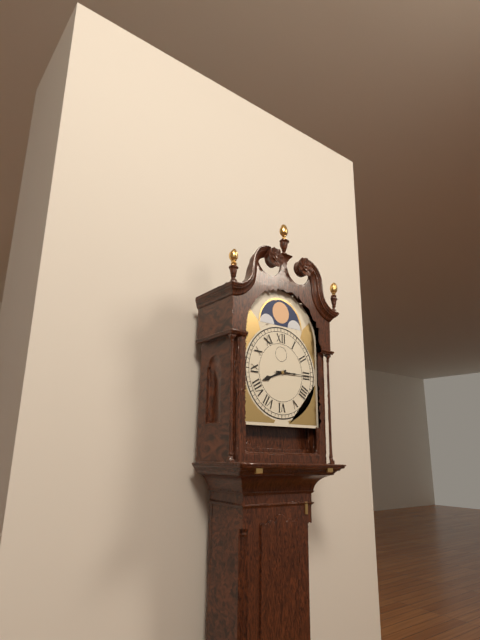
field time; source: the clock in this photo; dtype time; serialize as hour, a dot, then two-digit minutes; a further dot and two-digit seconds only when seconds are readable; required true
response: 8.15
